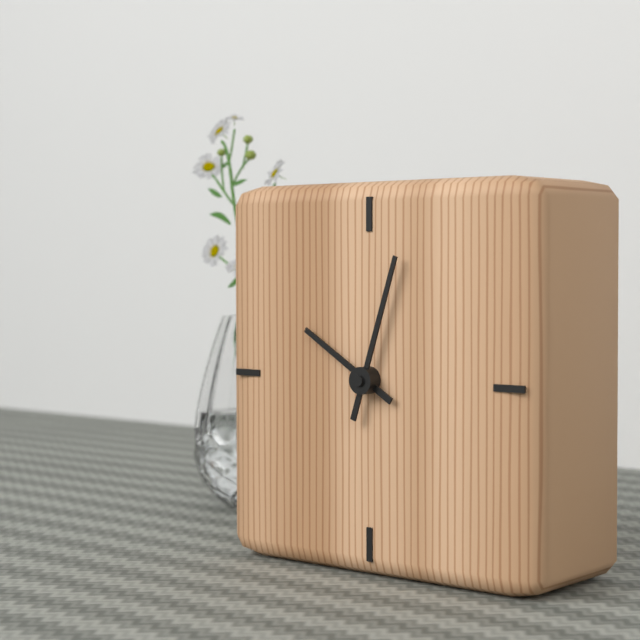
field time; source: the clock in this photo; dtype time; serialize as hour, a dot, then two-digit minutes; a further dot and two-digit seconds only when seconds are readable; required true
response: 10.03
